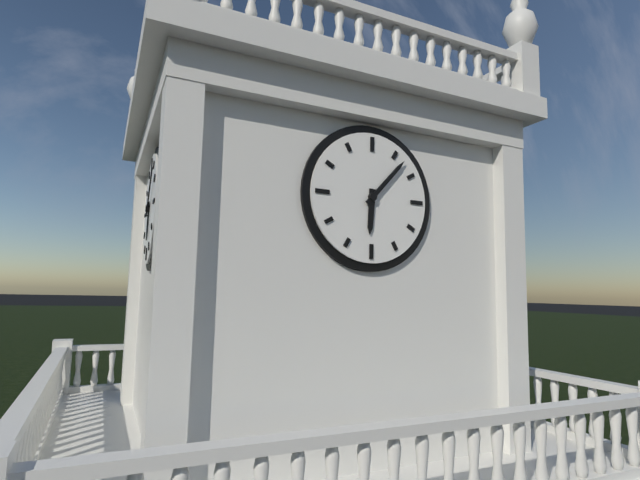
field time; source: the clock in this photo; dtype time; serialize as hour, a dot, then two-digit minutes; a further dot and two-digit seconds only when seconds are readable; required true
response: 6.07
